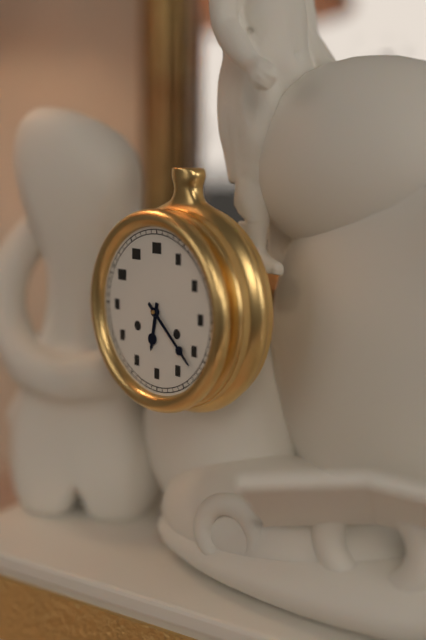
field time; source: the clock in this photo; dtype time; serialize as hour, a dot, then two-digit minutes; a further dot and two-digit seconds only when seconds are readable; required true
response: 6.22
